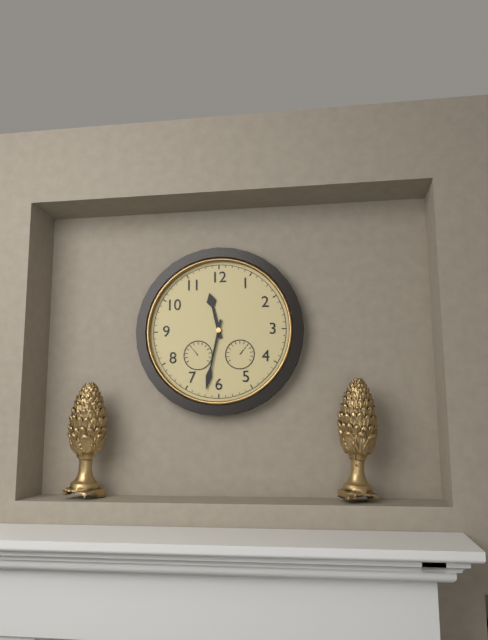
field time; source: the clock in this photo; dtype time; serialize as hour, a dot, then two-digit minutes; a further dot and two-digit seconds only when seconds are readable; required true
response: 11.32
